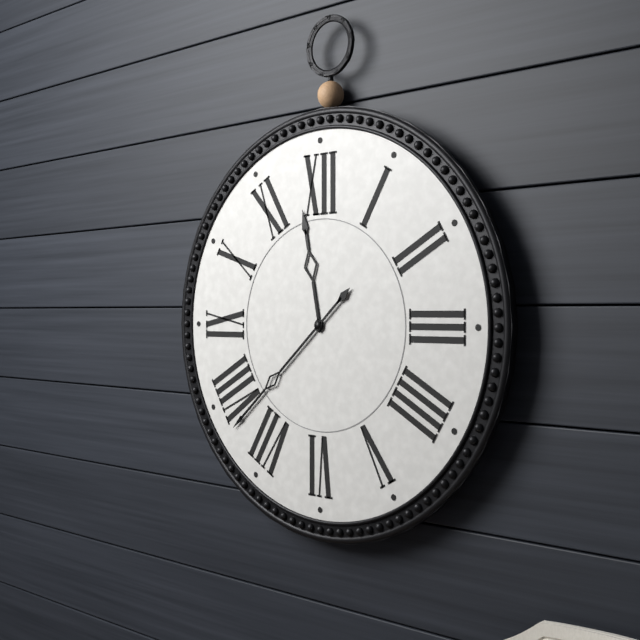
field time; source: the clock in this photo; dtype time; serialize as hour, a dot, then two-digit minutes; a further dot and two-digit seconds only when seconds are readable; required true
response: 11.38
